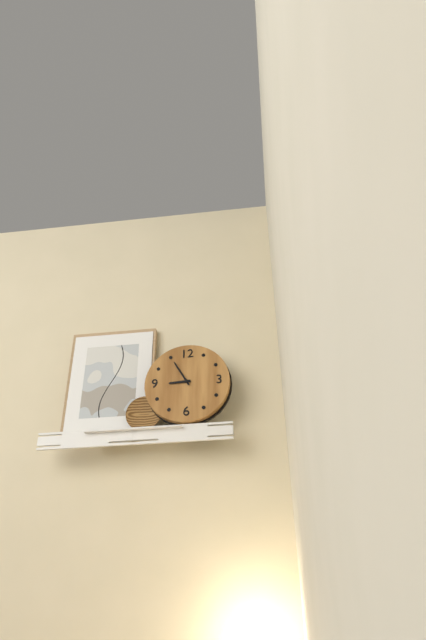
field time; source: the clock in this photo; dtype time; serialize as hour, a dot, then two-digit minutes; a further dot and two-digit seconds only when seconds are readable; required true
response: 8.55
